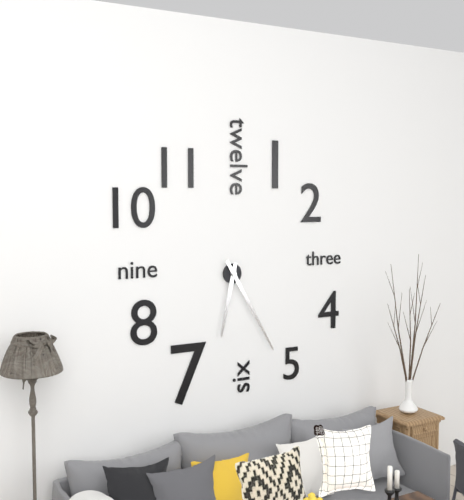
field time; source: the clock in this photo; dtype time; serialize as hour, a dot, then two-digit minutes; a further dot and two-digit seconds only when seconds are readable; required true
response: 6.25
